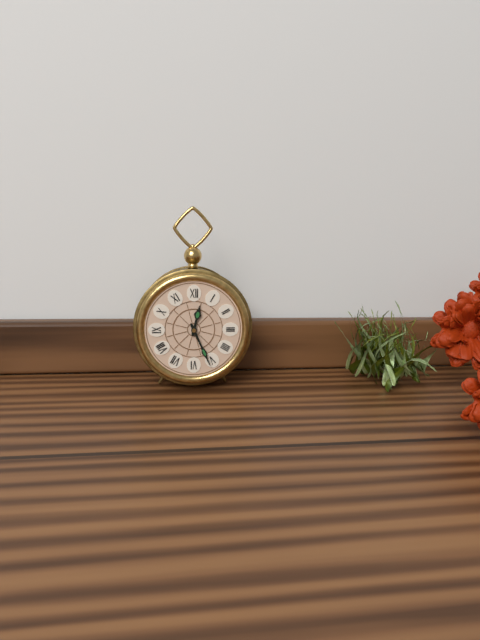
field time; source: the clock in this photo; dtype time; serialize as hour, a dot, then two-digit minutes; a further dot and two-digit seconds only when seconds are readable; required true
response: 12.26
